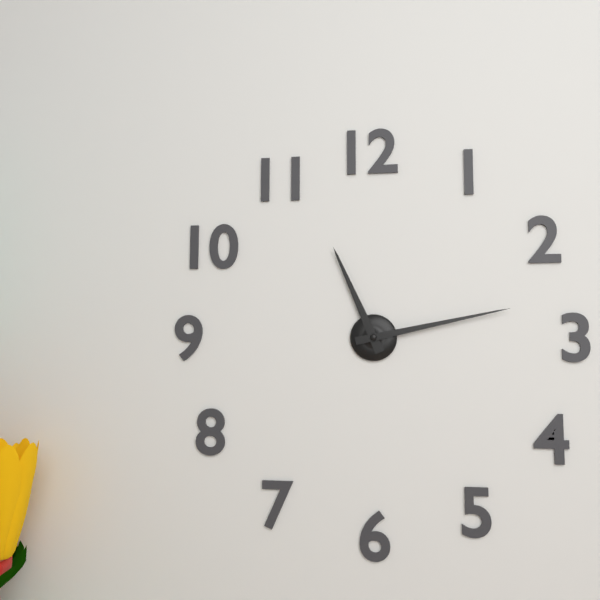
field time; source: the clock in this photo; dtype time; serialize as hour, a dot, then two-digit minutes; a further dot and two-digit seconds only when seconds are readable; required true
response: 11.13
